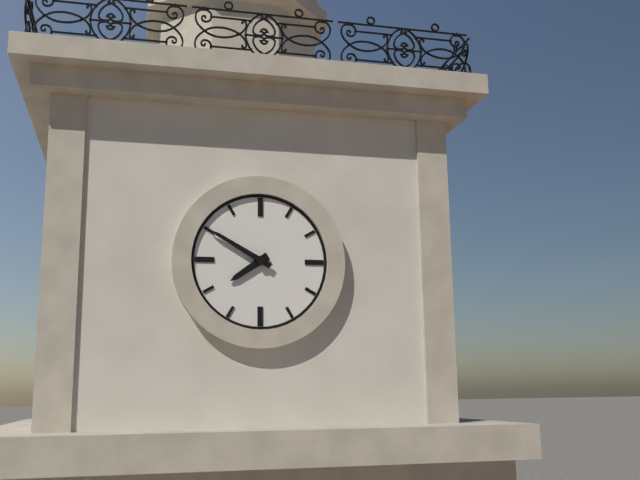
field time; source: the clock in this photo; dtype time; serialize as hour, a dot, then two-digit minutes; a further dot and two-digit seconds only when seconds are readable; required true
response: 7.50
